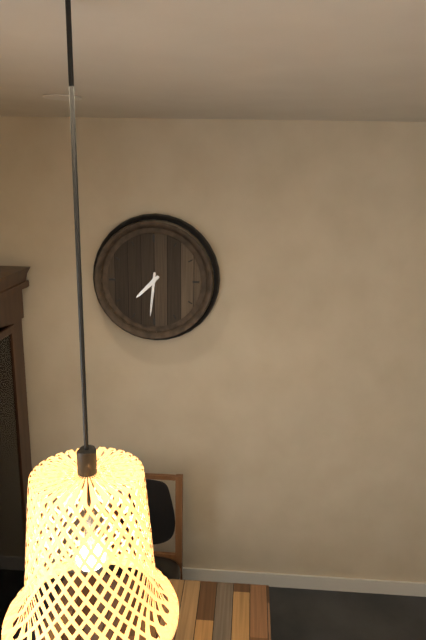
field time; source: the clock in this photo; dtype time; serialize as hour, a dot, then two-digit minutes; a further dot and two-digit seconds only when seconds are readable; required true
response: 7.31
